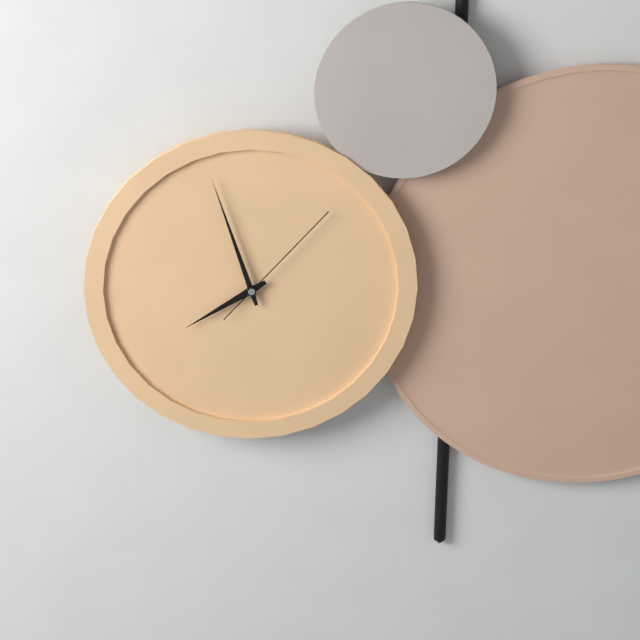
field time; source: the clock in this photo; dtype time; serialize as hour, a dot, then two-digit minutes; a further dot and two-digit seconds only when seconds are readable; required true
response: 7.57.07
